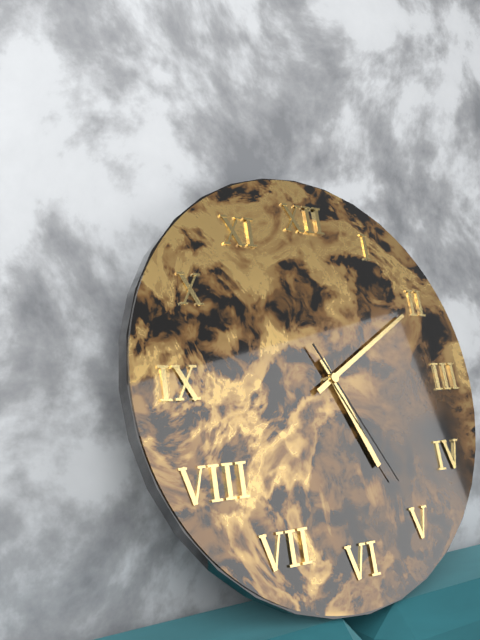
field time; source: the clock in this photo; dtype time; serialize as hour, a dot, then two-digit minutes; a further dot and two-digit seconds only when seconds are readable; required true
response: 5.10.25
